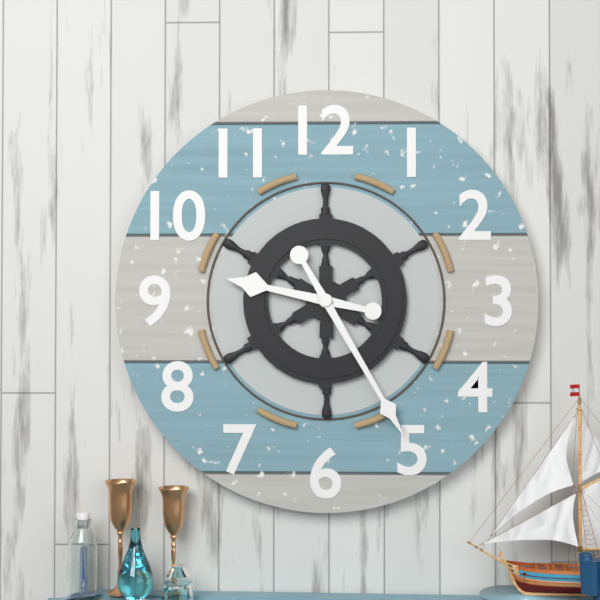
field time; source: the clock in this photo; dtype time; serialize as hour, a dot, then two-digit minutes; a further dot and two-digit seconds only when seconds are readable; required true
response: 9.25
